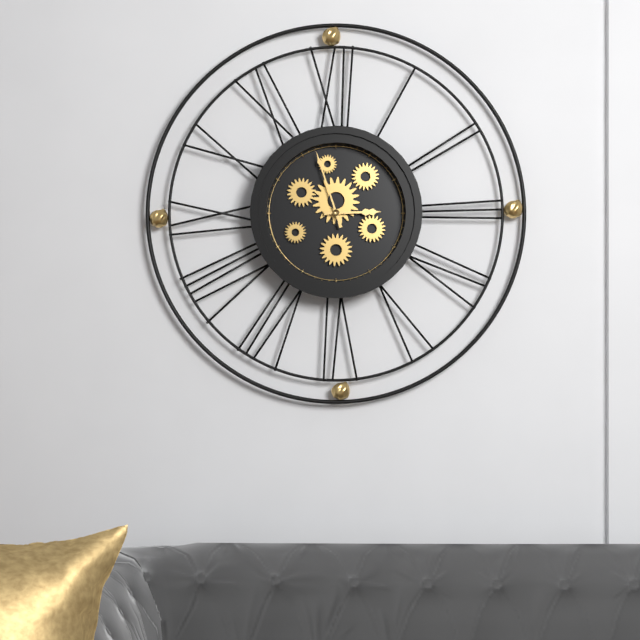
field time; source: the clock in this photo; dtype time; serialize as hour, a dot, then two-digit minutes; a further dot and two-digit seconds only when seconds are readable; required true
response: 2.57
